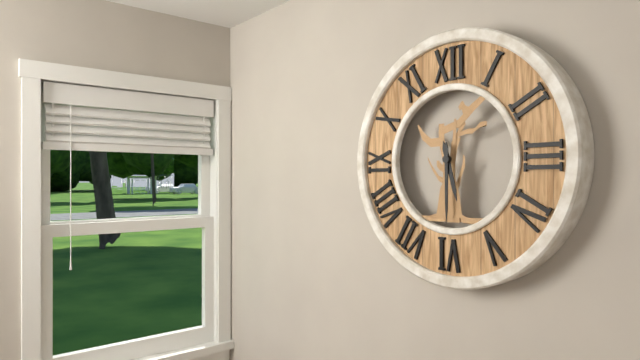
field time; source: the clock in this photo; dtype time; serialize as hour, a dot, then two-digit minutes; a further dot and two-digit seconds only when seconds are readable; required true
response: 5.30
